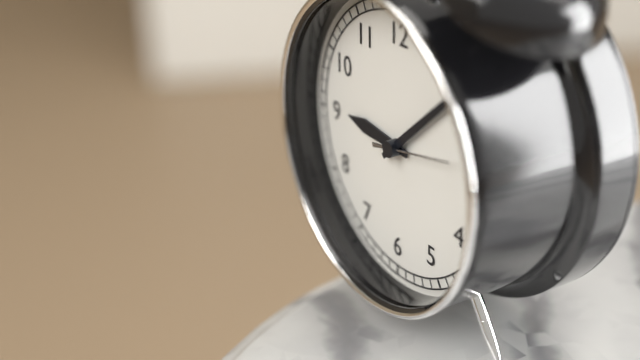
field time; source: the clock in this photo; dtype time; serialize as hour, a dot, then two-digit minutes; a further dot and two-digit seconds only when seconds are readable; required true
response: 9.08.13
